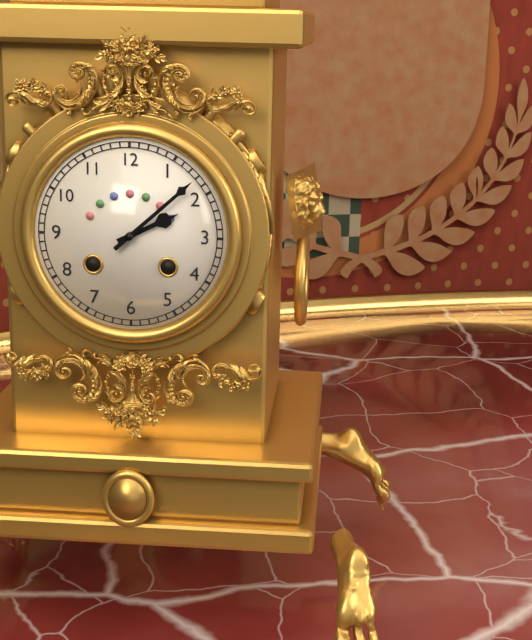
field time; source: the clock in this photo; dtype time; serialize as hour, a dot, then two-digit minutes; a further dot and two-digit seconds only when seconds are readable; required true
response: 2.08
